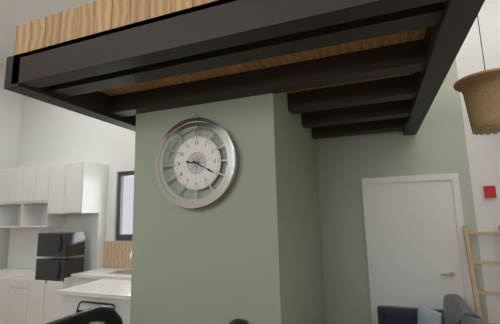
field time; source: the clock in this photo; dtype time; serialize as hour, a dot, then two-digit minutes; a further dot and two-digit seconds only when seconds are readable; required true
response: 9.20
